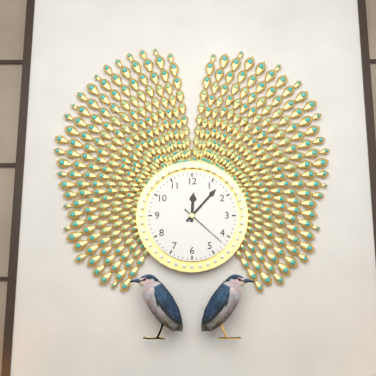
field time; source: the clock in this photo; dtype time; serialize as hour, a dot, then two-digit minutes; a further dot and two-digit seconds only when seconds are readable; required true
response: 12.07
